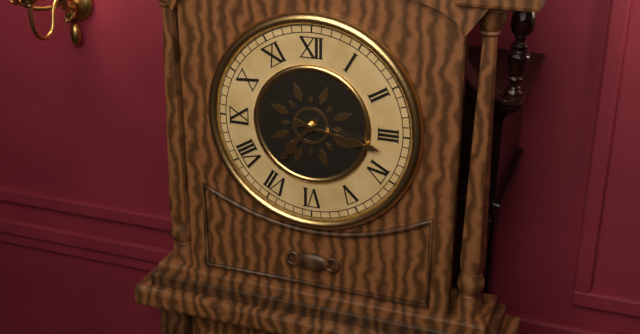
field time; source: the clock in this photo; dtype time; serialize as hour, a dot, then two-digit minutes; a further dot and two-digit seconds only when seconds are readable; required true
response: 7.17
